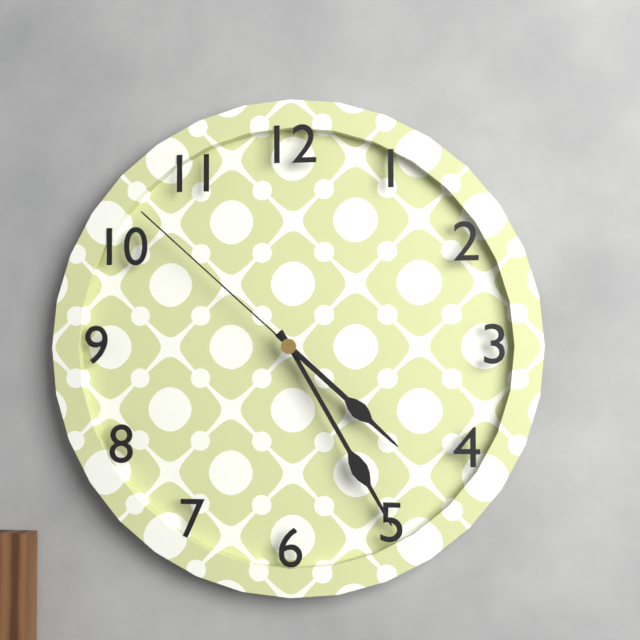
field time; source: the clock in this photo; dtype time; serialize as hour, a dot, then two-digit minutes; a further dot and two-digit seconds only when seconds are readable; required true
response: 4.25.52
